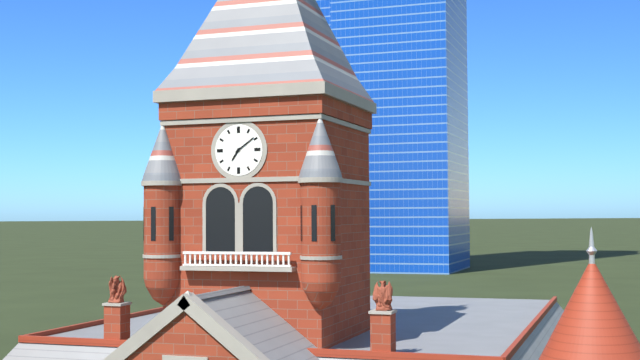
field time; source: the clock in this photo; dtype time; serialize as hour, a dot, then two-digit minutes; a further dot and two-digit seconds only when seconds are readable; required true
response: 7.09
